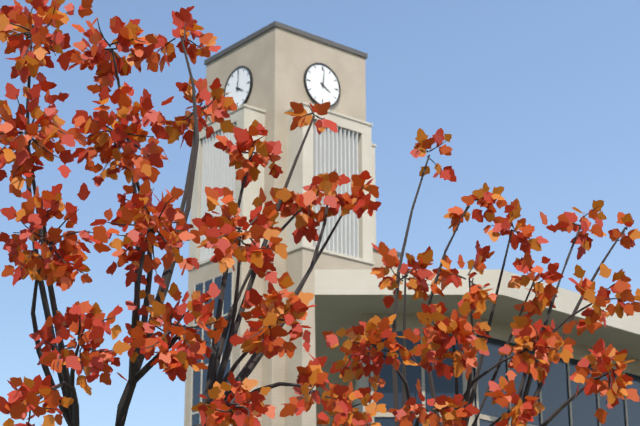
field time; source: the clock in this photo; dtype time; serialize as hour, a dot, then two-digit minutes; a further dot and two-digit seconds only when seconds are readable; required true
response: 4.01
